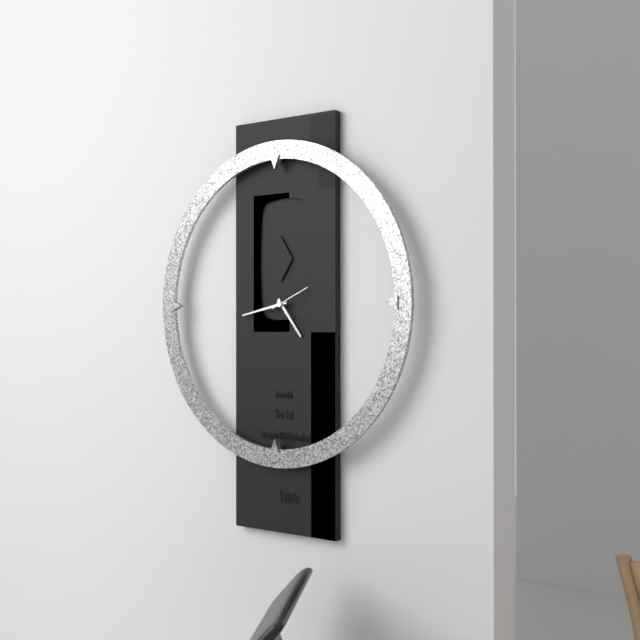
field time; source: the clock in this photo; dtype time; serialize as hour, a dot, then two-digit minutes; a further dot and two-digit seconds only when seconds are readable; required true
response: 4.43
